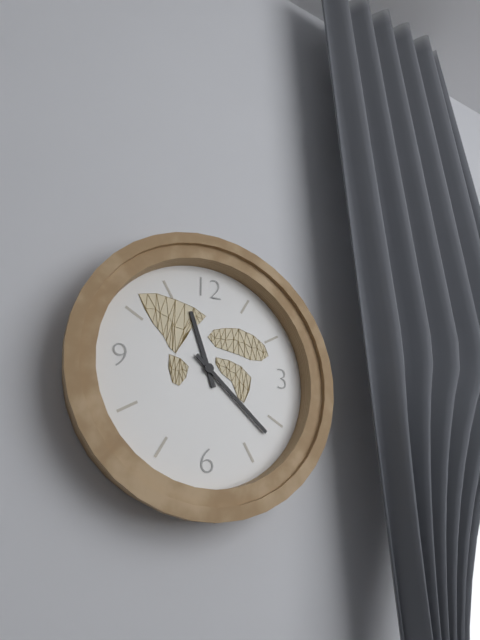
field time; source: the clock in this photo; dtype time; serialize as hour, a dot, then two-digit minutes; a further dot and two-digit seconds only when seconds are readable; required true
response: 11.22
